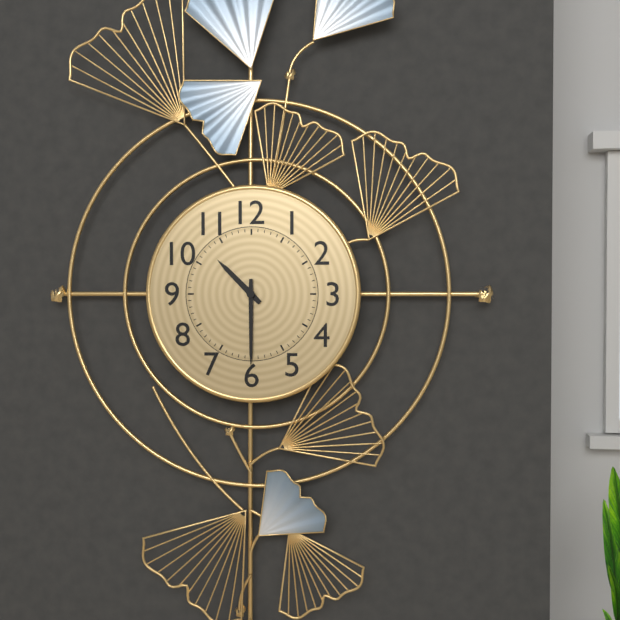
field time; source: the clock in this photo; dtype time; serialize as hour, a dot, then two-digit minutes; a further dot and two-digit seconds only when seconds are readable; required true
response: 10.30
